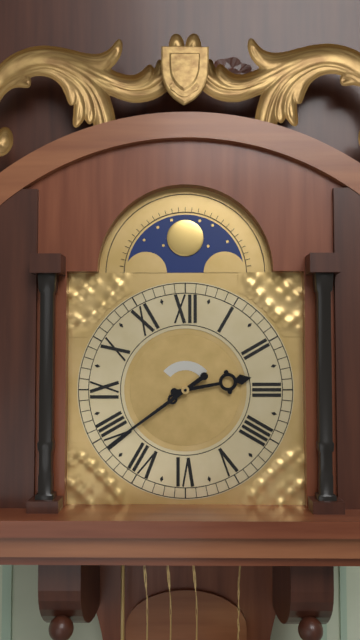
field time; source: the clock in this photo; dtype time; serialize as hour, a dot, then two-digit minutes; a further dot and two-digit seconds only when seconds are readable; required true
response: 2.39
